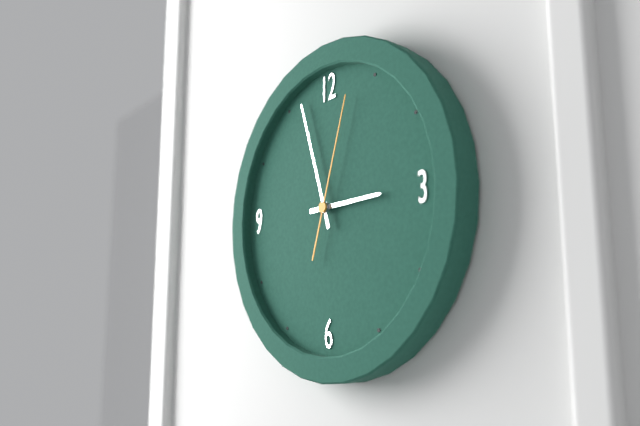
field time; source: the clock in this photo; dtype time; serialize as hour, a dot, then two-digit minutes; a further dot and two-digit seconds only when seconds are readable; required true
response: 2.57.03
